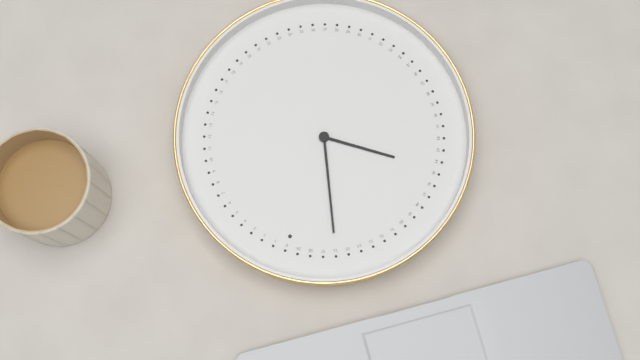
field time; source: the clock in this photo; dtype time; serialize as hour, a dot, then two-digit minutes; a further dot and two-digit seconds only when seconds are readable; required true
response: 8.56
